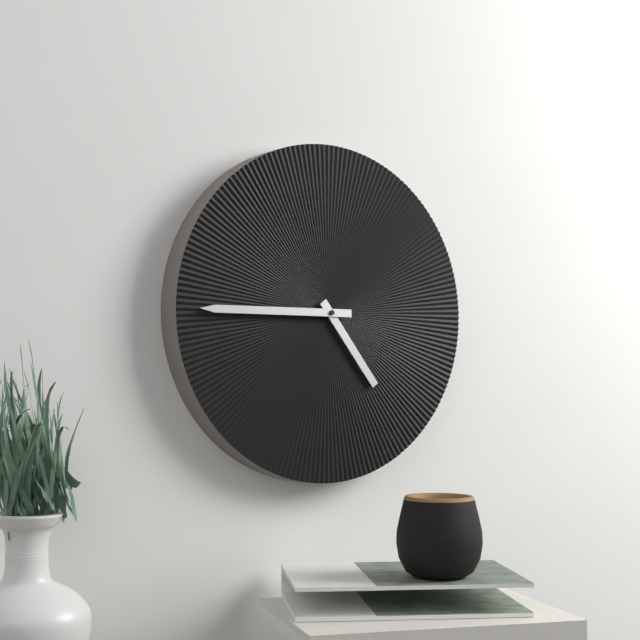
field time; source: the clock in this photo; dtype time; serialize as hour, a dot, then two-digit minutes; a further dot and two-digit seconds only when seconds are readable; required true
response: 4.45
